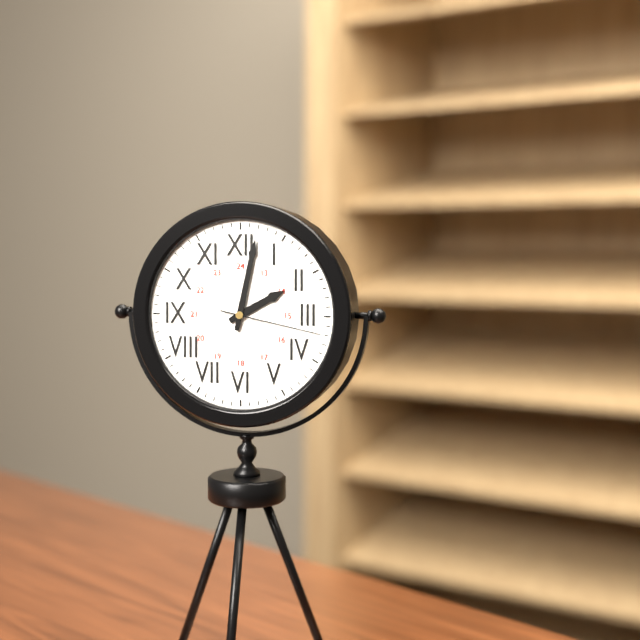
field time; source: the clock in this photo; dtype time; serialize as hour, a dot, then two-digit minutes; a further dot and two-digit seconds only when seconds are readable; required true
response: 2.02.17
